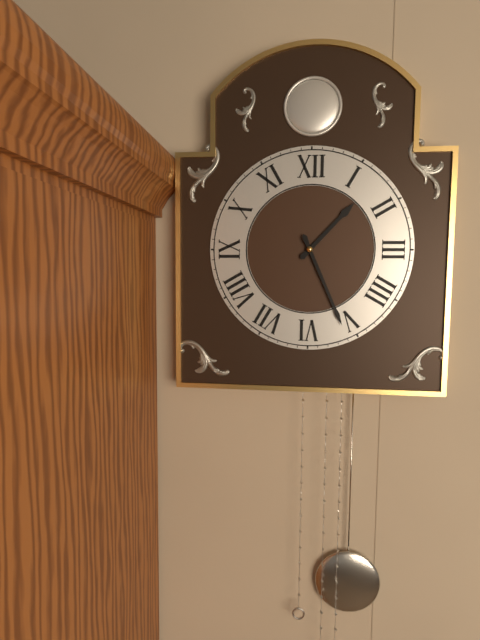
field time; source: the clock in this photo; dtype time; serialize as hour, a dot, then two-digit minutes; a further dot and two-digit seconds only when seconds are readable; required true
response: 1.26
